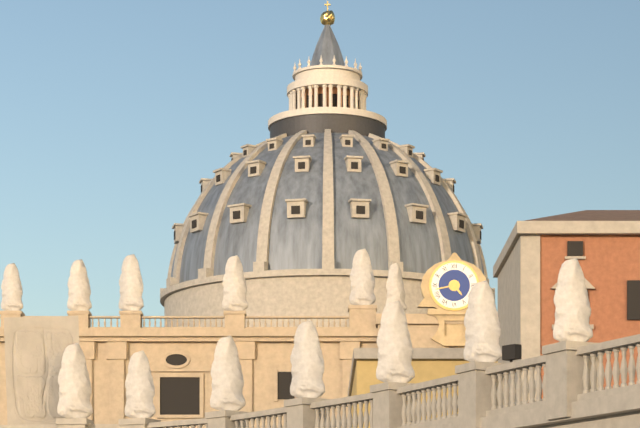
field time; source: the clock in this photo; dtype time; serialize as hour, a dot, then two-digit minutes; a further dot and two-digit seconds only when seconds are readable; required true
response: 4.43
